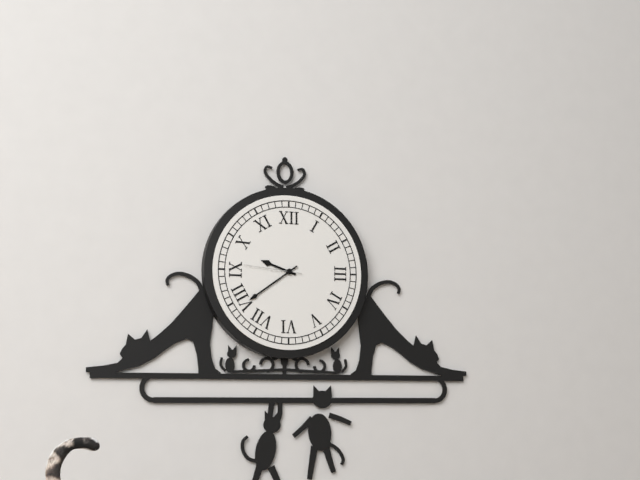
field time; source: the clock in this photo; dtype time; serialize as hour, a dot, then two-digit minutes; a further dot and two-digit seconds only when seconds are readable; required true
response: 9.39.46
